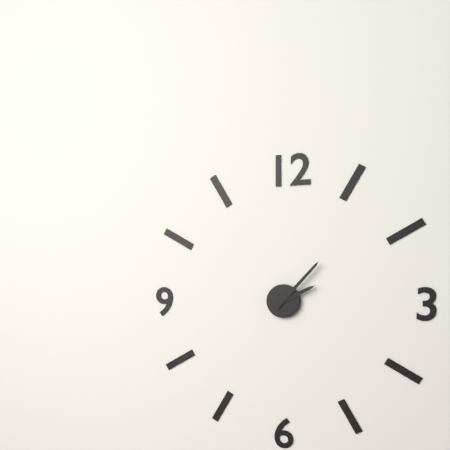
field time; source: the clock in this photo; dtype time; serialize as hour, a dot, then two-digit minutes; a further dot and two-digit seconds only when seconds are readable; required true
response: 2.07
